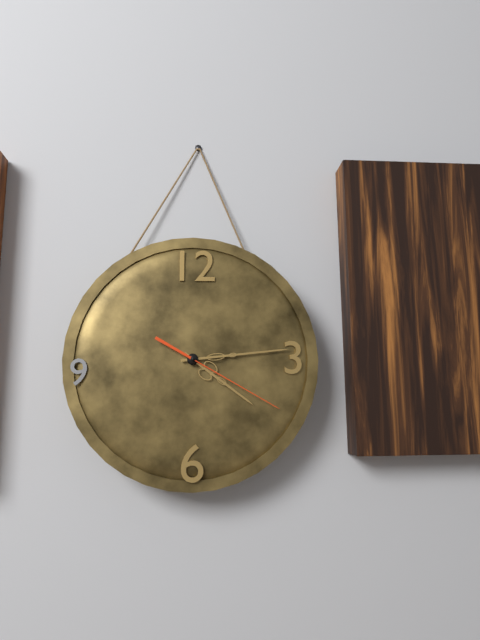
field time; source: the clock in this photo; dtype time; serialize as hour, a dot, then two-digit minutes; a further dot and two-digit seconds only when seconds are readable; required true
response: 4.14.20
